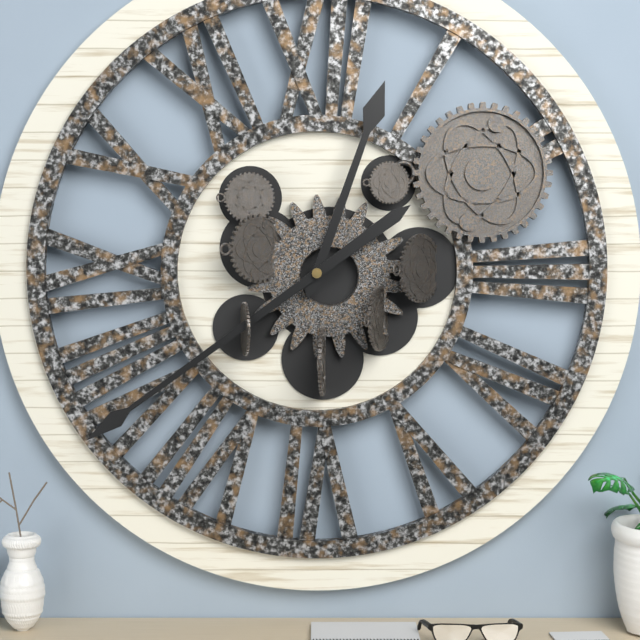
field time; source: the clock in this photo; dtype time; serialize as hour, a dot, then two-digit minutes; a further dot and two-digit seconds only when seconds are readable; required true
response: 12.39
